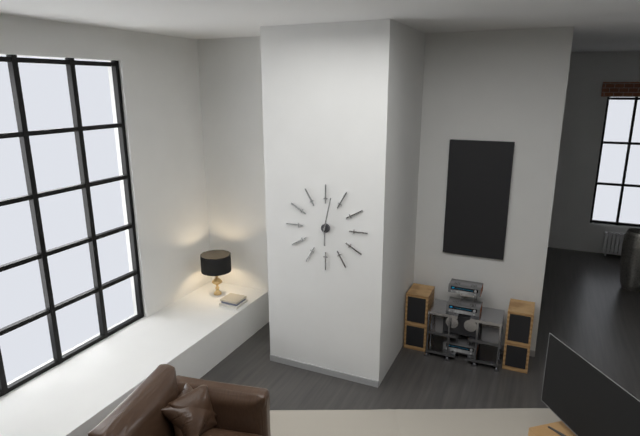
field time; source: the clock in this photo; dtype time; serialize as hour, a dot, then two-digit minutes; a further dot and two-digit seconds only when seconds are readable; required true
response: 6.02
